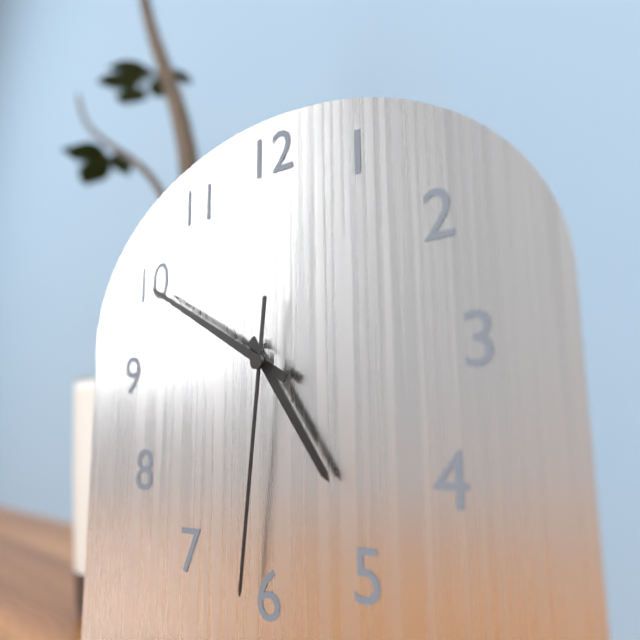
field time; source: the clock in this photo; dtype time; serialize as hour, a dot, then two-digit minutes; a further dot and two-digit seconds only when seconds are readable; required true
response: 4.50.31
